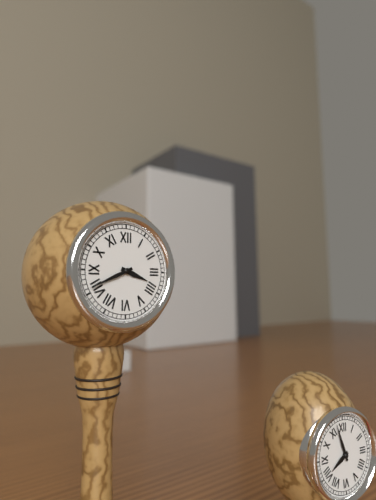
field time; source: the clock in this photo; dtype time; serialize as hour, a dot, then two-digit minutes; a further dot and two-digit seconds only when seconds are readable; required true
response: 3.41
